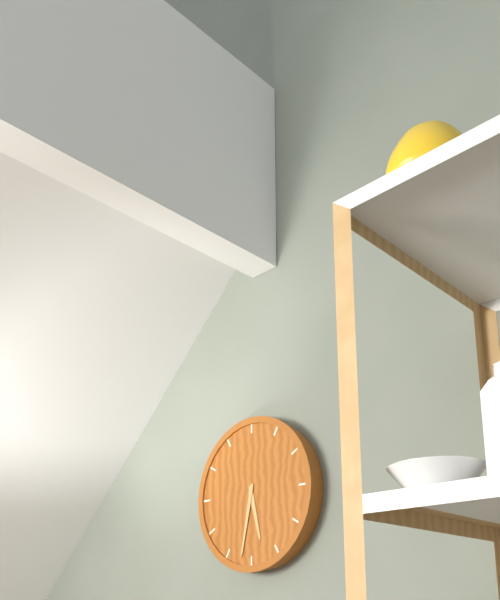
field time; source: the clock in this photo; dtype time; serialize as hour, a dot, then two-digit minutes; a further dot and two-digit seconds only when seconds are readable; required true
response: 5.32
